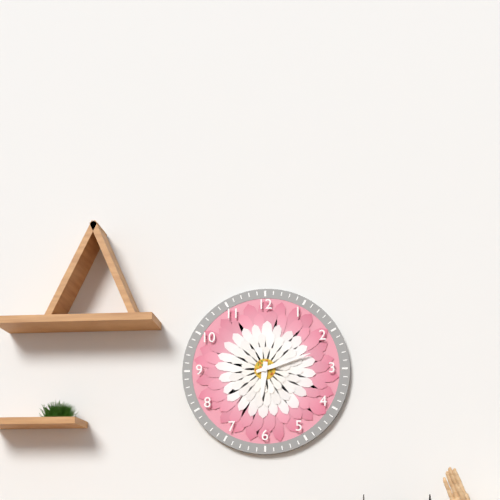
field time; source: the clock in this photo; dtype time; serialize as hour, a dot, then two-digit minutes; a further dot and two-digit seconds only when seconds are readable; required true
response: 6.12
